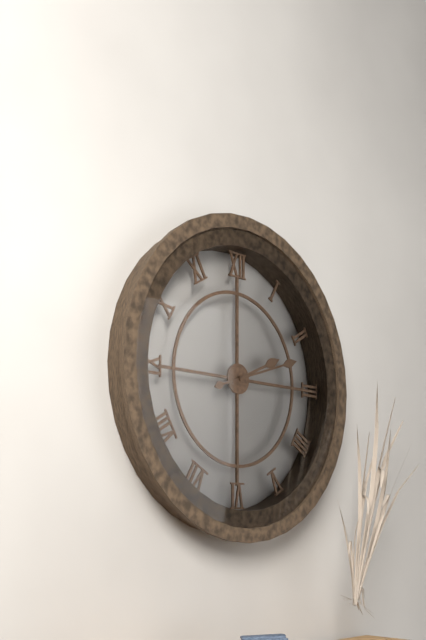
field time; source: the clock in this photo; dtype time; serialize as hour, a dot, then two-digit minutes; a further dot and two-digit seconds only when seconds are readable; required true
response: 2.12
